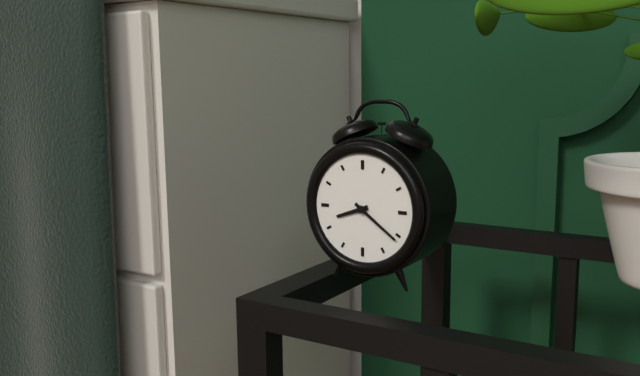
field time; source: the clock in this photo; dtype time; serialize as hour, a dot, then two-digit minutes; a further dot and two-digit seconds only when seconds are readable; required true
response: 8.21
